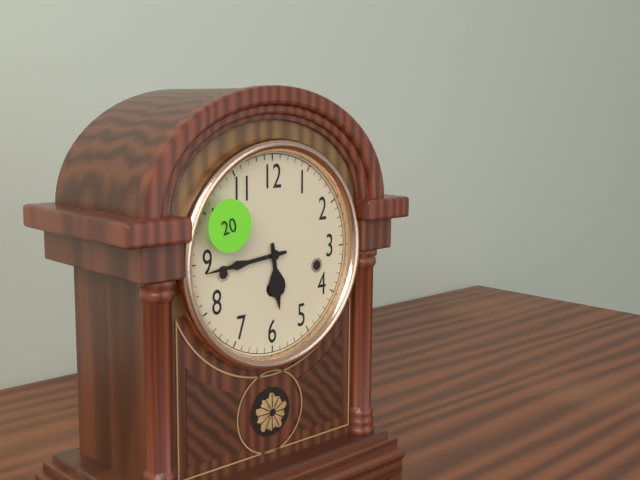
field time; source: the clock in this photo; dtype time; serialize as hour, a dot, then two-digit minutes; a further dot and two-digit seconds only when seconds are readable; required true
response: 5.44
